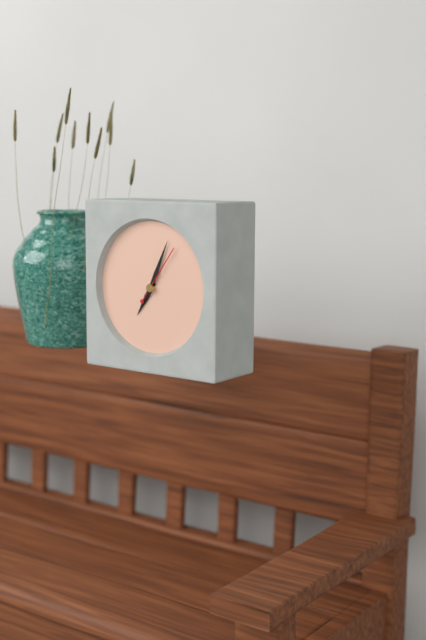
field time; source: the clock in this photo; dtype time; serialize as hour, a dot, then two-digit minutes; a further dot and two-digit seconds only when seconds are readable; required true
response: 7.04.06
